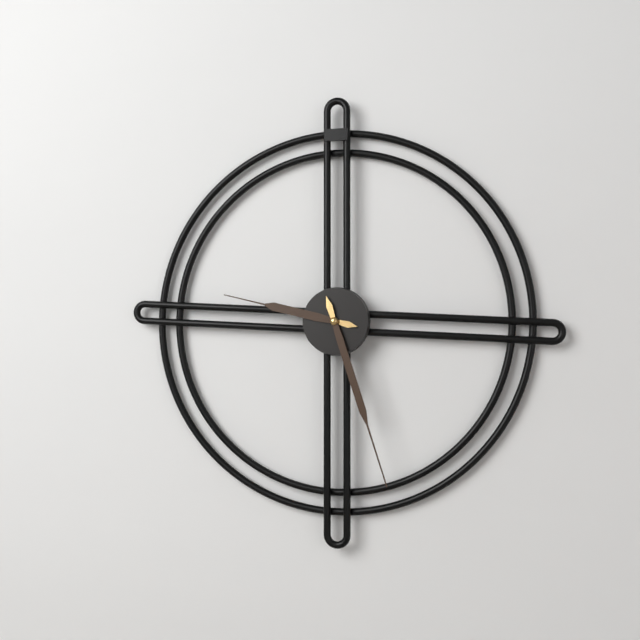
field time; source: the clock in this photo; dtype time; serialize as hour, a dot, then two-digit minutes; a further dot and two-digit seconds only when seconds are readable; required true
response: 9.27
